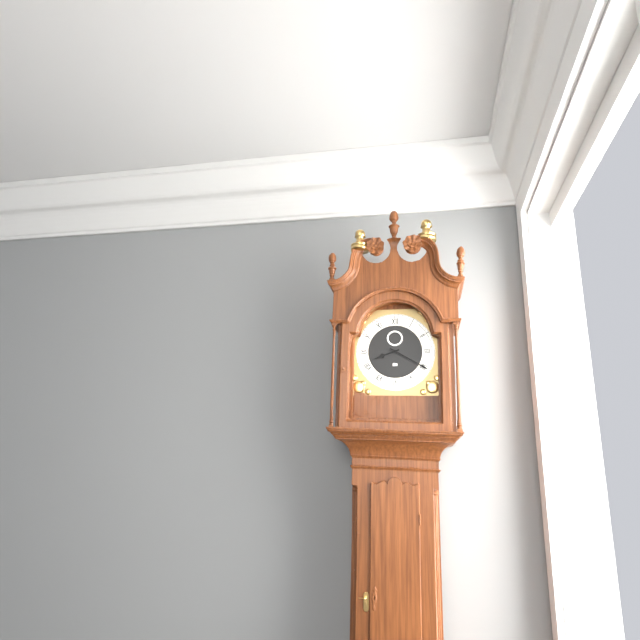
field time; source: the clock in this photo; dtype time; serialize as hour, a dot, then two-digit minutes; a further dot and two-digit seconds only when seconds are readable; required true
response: 8.20
